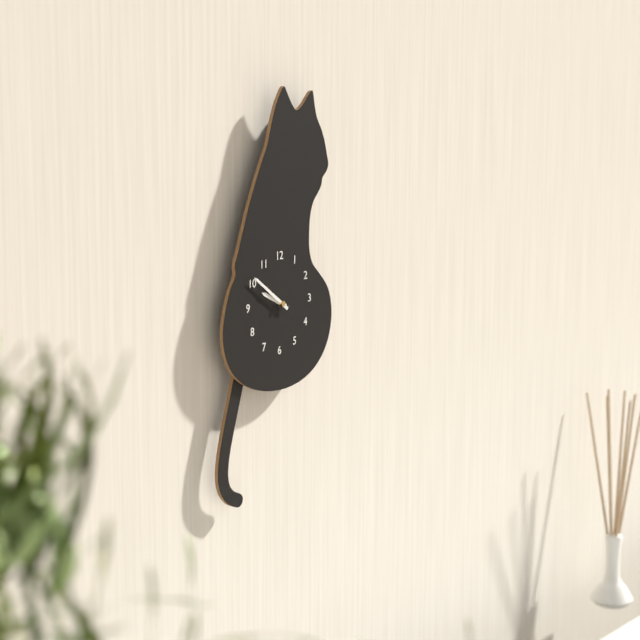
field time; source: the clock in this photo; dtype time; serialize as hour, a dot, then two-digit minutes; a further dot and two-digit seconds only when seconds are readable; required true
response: 9.51
